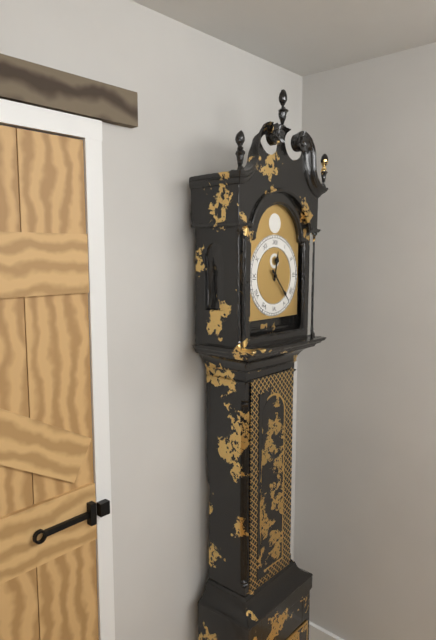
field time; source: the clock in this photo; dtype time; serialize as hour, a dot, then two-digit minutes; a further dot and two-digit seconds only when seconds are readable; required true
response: 12.23
